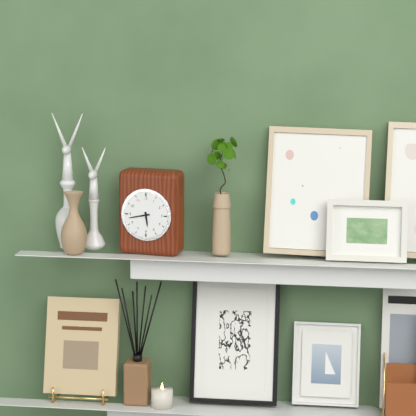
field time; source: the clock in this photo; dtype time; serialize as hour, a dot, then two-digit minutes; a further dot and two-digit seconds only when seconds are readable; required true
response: 5.43
